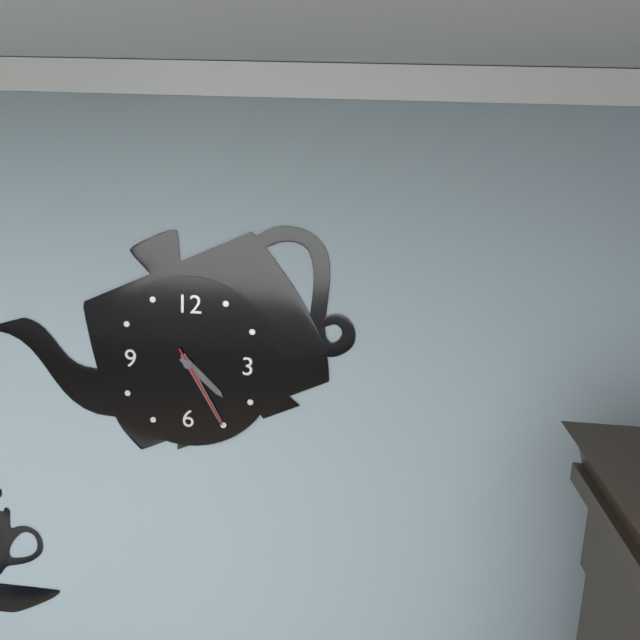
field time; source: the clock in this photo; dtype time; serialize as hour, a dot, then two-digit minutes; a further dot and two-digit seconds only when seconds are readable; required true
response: 4.25.25
